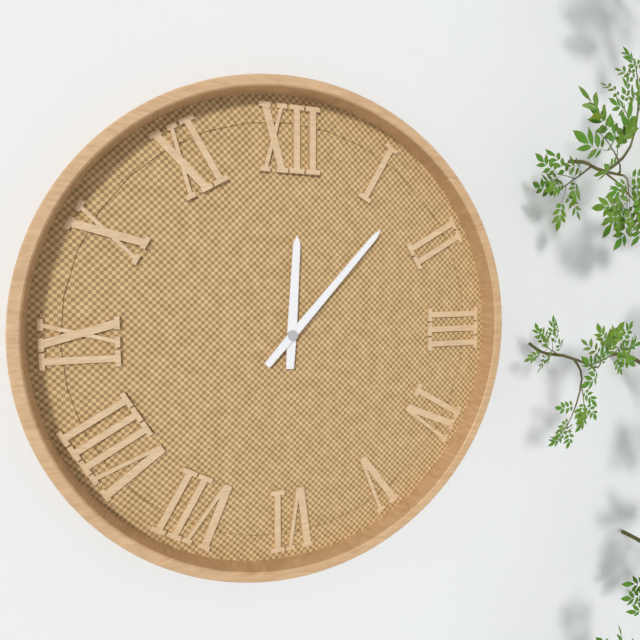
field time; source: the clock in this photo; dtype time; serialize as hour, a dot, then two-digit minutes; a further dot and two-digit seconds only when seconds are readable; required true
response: 12.07
